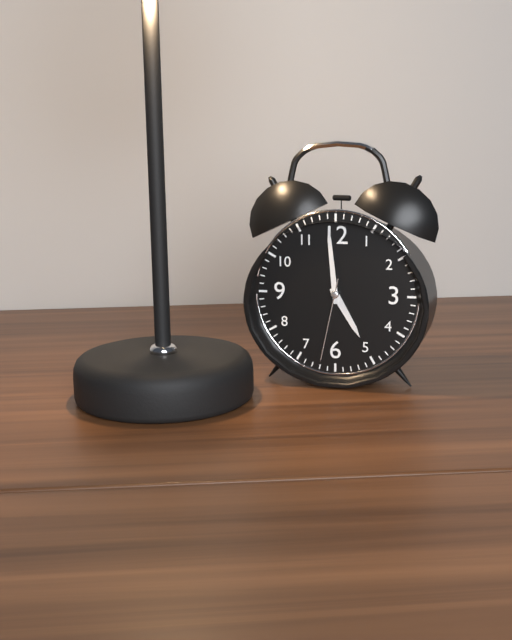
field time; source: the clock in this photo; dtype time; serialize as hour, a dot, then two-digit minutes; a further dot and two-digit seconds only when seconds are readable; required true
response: 4.59.32
